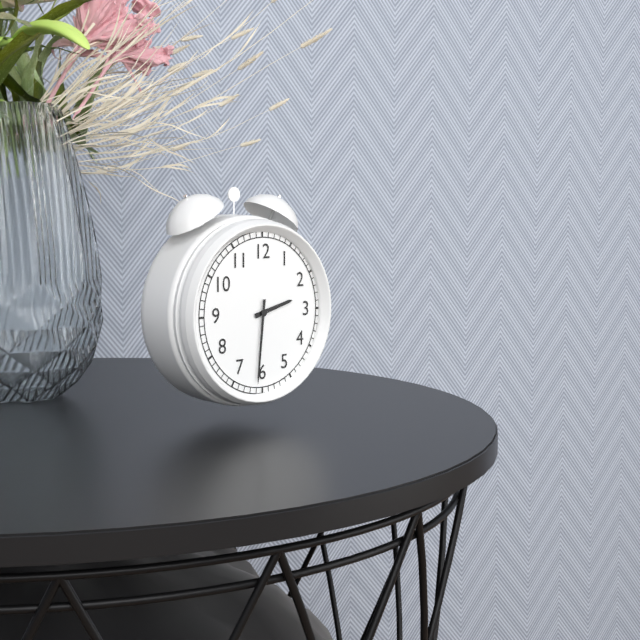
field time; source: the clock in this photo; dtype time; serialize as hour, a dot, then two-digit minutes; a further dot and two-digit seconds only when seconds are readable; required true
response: 2.31
